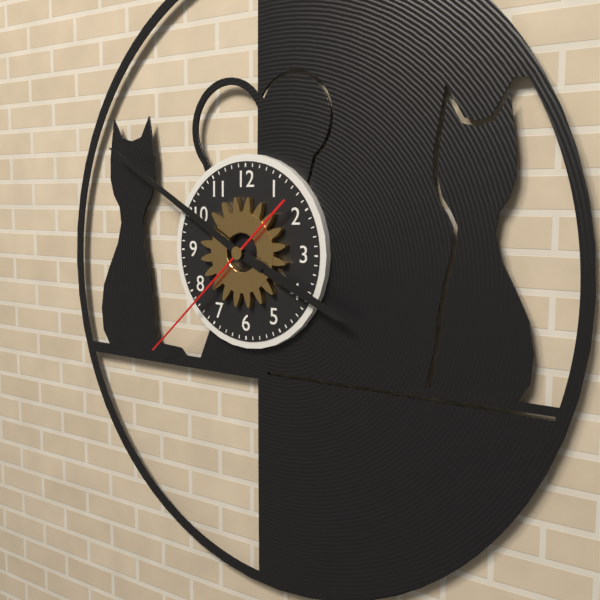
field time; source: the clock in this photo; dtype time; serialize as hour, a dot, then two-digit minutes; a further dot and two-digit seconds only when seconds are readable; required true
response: 3.50.38
